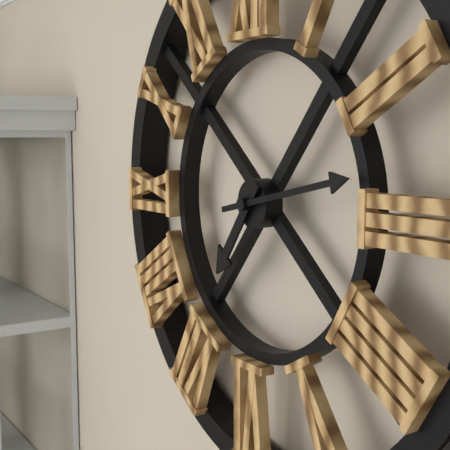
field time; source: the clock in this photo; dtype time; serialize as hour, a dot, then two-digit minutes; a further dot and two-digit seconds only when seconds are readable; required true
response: 7.13
